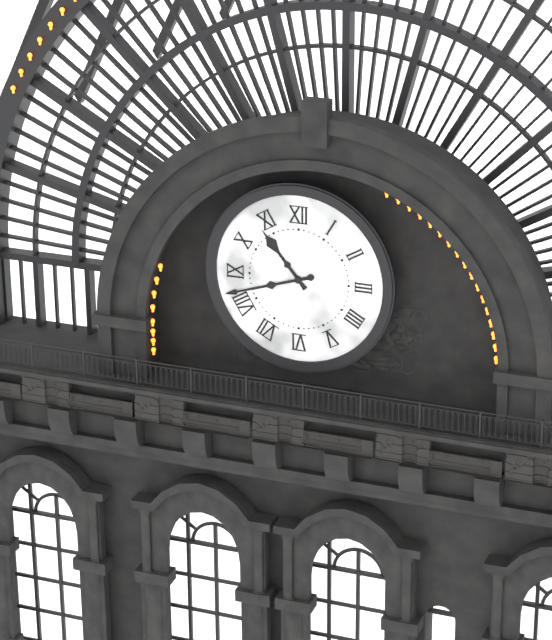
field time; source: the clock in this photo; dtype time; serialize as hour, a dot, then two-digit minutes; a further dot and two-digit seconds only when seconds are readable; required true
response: 10.42
